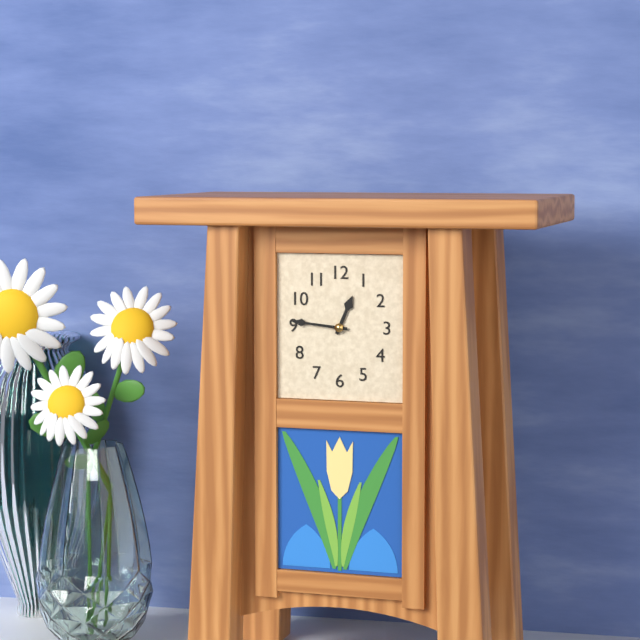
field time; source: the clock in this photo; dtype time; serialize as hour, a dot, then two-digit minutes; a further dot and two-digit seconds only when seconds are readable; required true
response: 12.46
